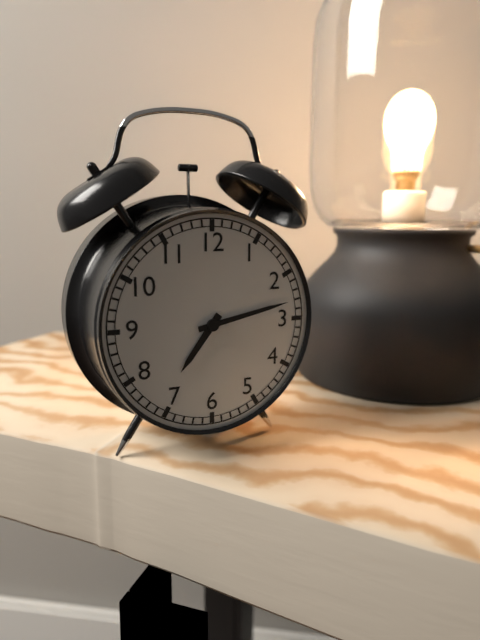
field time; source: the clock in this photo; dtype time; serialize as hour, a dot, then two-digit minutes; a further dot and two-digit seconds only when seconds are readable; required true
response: 7.13
